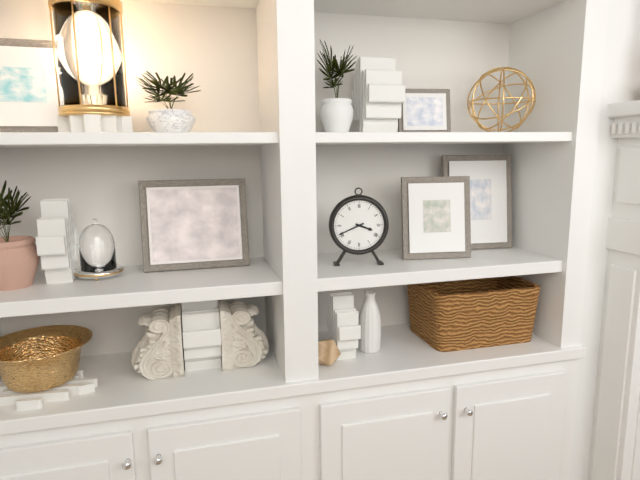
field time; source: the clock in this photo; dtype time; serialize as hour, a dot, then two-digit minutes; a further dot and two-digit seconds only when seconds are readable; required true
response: 3.41
